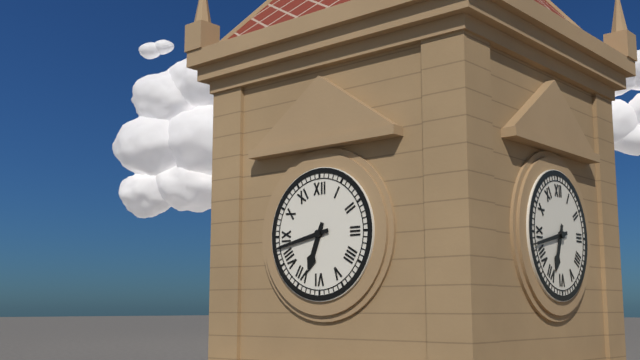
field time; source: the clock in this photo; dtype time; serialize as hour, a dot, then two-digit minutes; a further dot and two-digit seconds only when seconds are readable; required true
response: 6.43
